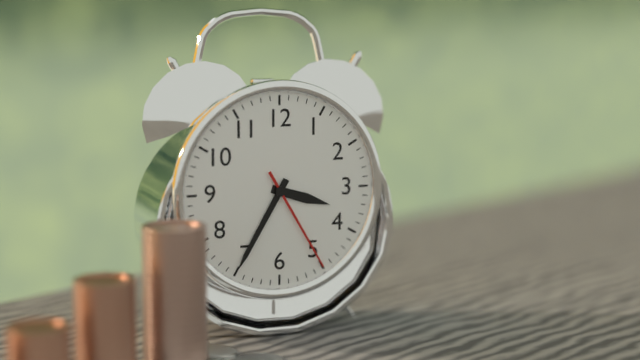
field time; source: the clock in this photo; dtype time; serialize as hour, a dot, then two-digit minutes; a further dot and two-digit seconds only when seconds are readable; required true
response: 3.35.25
